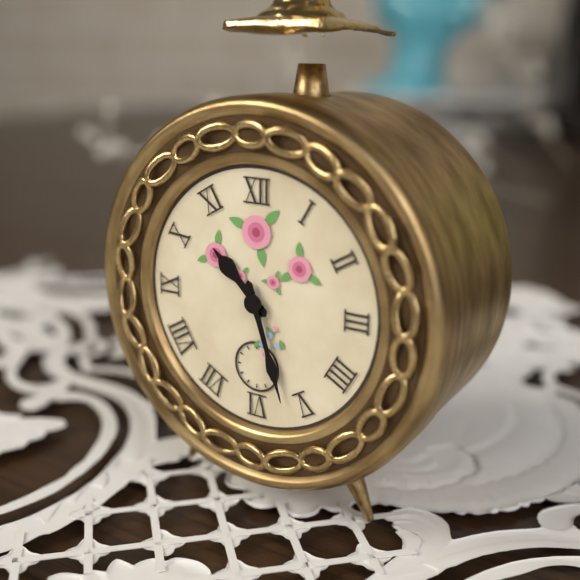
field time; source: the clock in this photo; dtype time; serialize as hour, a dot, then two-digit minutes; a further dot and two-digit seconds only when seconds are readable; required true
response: 10.27
